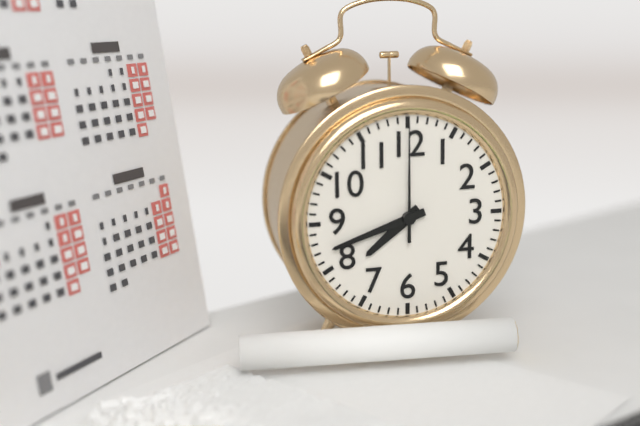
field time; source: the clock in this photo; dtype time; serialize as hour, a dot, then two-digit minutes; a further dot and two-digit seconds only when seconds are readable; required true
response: 7.42.00
